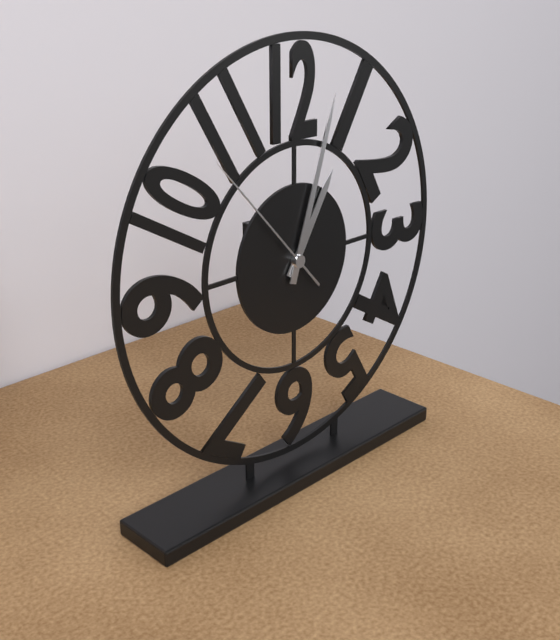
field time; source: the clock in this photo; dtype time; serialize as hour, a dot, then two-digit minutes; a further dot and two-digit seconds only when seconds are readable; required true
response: 1.03.53
